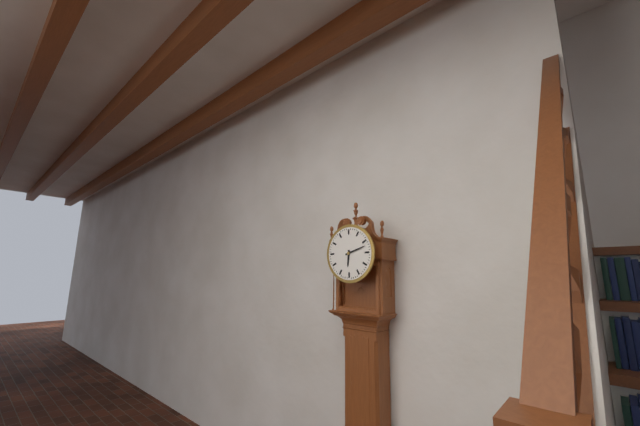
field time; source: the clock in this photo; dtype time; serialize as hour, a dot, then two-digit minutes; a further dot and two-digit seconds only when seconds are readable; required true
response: 6.12
